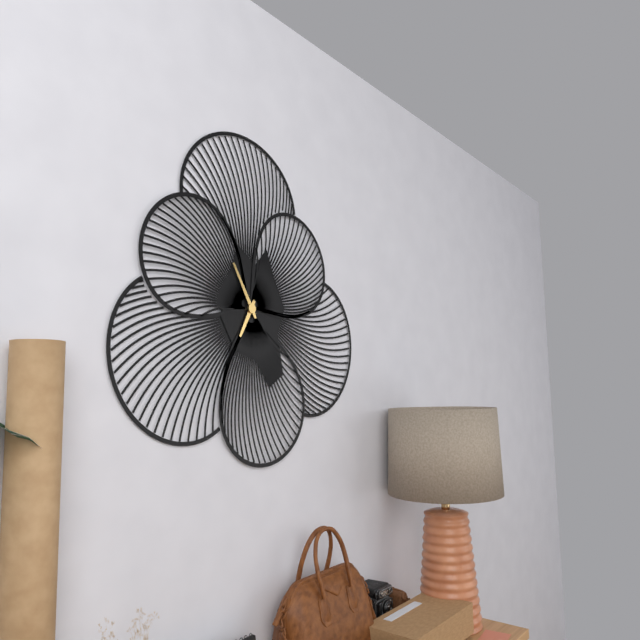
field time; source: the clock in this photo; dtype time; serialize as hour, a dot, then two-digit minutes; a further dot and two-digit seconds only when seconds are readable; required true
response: 6.55
